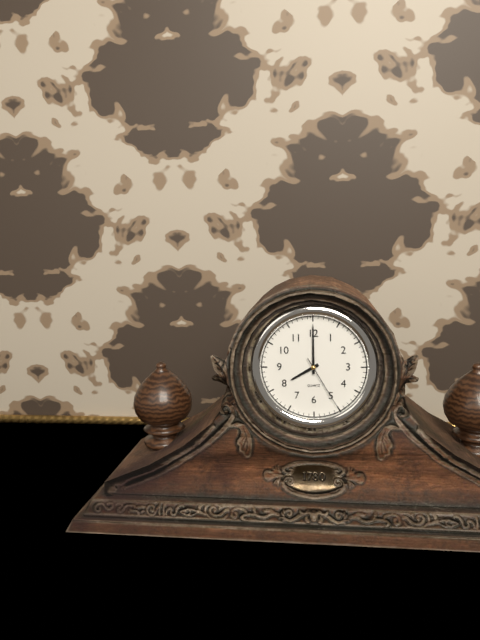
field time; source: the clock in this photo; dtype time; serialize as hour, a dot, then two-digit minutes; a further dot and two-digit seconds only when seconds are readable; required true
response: 8.00.25
